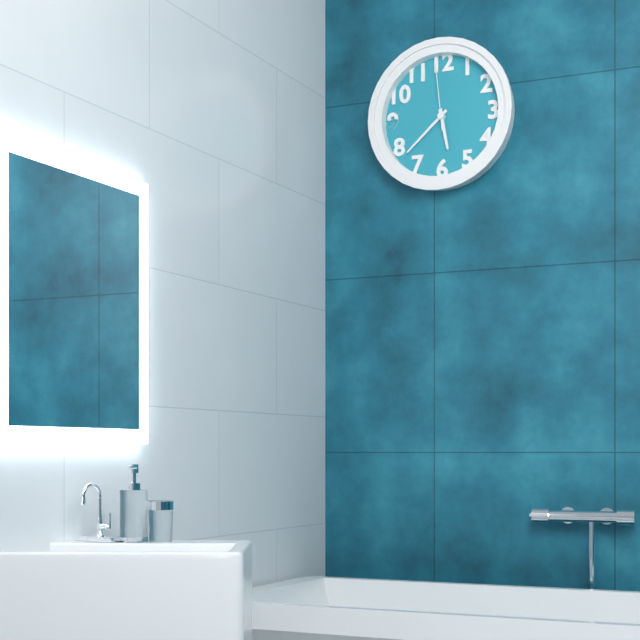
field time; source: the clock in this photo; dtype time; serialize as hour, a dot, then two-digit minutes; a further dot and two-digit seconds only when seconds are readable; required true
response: 5.38.59
